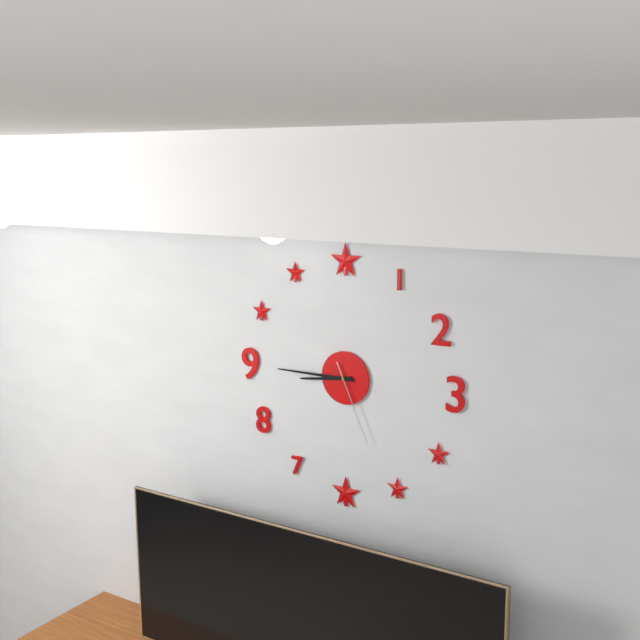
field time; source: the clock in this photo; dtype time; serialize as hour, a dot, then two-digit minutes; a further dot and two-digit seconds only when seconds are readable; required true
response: 8.45.26
